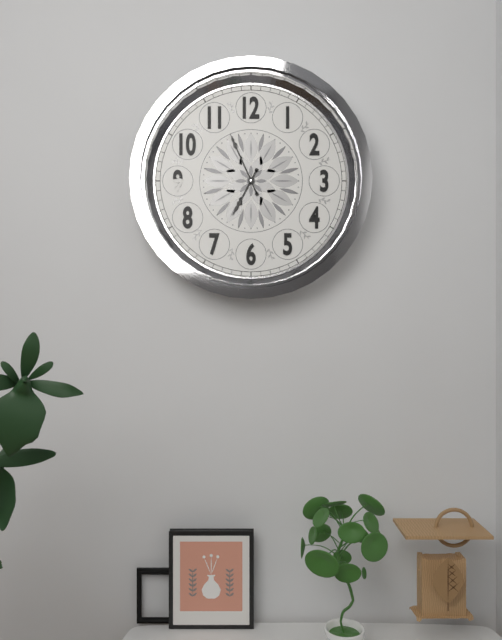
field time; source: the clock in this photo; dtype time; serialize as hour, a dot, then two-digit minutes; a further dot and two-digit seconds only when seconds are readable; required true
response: 6.56
